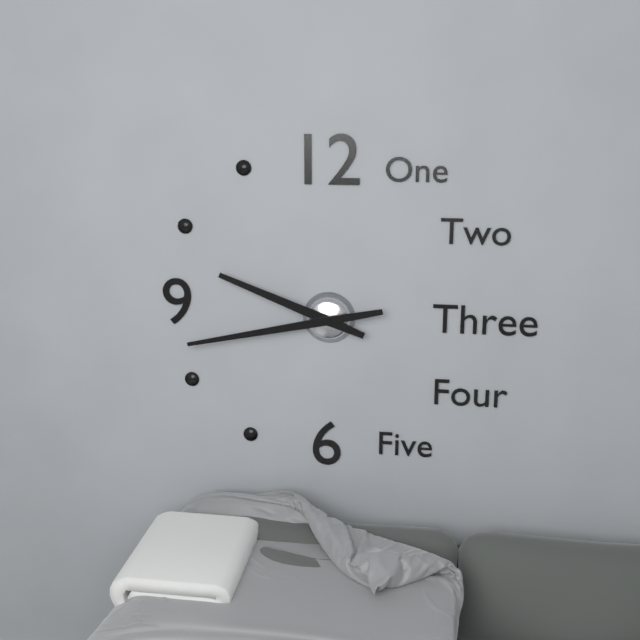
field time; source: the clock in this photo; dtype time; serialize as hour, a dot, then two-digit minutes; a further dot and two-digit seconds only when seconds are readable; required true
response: 9.43
